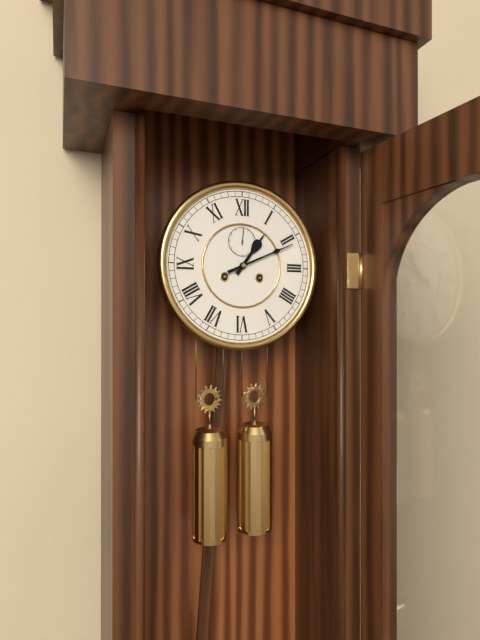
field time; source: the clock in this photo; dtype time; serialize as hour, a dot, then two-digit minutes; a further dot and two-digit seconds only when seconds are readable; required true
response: 1.11
